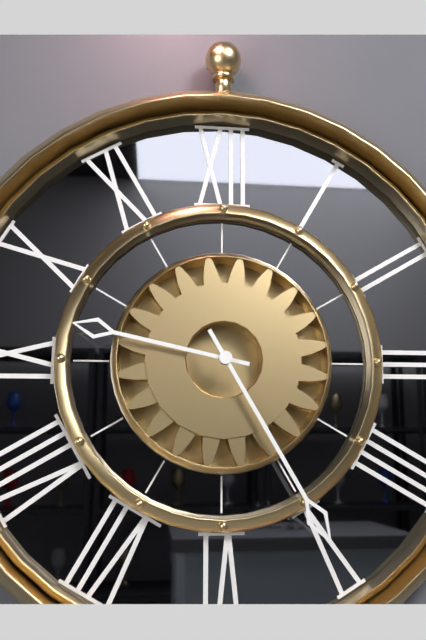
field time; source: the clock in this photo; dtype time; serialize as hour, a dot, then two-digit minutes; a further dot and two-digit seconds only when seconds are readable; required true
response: 9.25
